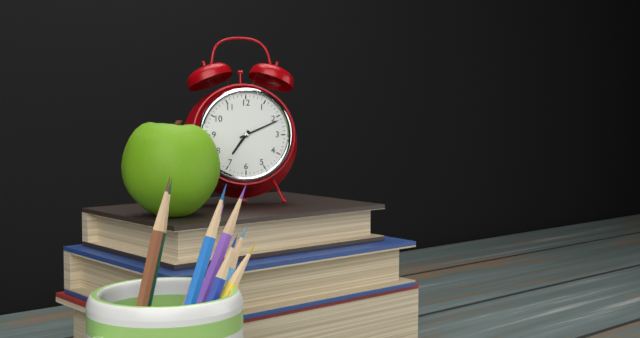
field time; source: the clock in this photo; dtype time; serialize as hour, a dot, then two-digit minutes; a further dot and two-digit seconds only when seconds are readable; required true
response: 7.11
